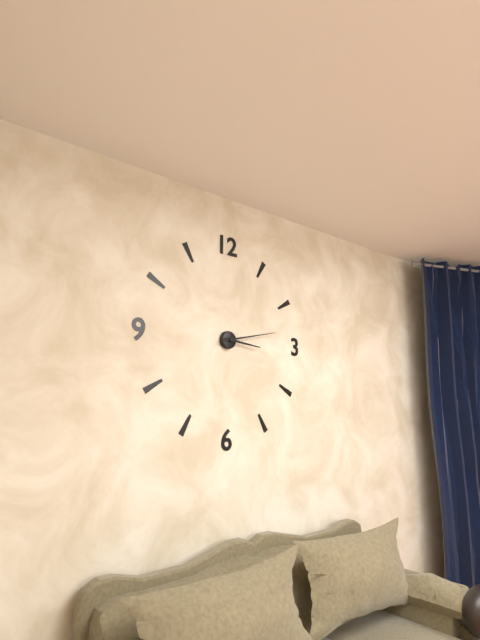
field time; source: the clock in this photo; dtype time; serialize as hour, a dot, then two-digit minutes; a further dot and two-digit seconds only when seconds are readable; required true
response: 3.13
